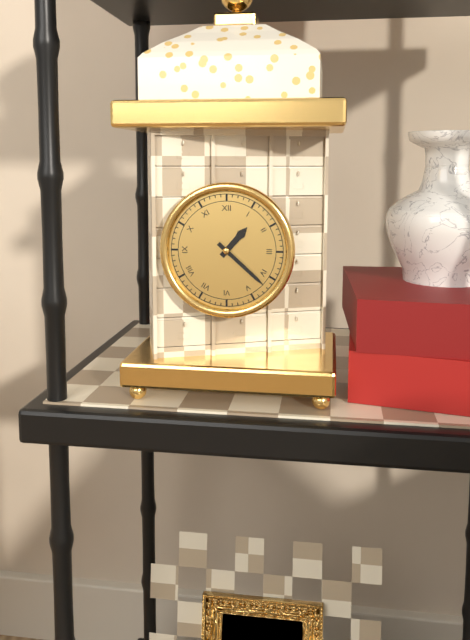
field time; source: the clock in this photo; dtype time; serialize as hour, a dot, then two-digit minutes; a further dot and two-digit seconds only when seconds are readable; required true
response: 1.22
